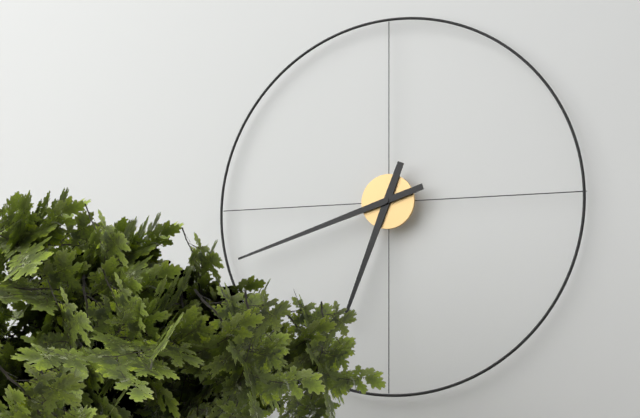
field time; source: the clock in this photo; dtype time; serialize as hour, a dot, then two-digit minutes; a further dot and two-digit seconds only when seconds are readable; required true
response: 6.42
